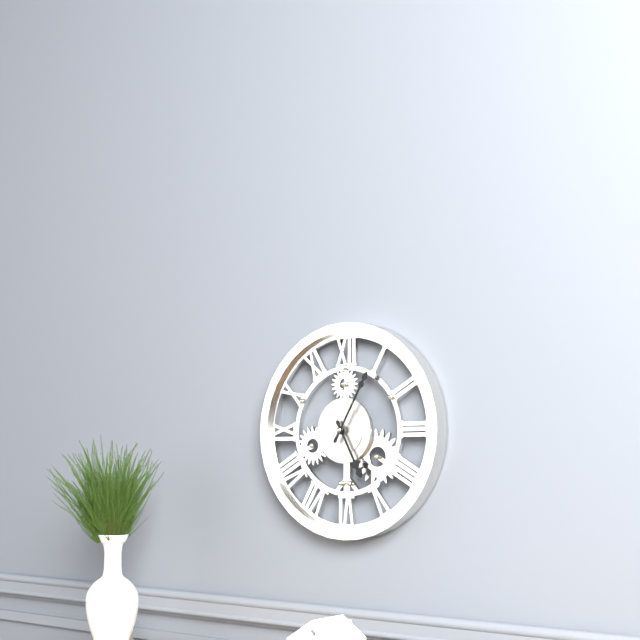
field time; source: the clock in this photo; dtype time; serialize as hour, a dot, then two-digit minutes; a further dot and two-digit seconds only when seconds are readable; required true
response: 5.05
